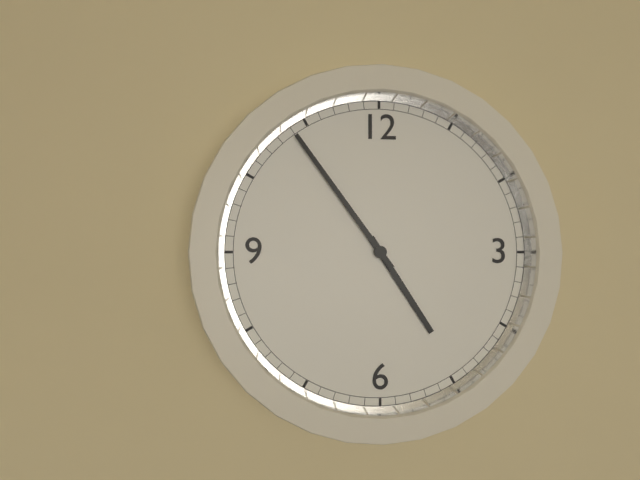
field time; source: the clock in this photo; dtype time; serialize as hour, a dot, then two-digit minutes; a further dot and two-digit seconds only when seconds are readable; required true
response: 4.54
